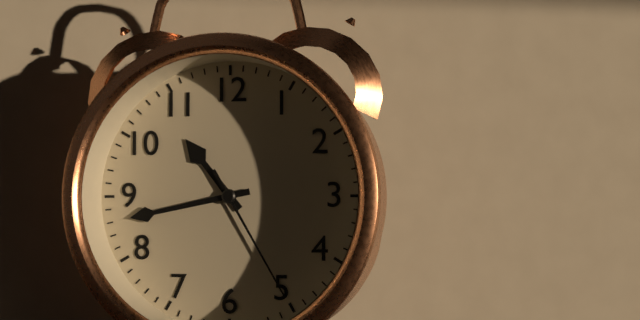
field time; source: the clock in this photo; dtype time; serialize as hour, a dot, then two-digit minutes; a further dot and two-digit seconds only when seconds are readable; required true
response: 10.43.25
